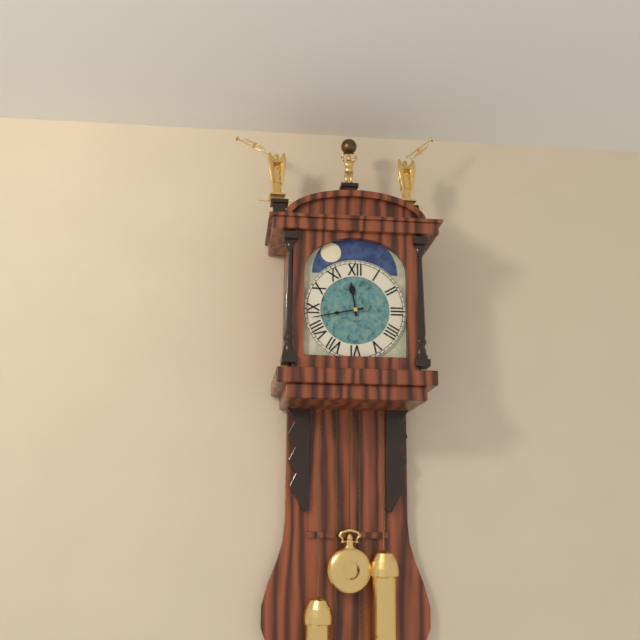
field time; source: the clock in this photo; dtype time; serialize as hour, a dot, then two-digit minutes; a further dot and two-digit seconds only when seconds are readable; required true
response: 11.43
